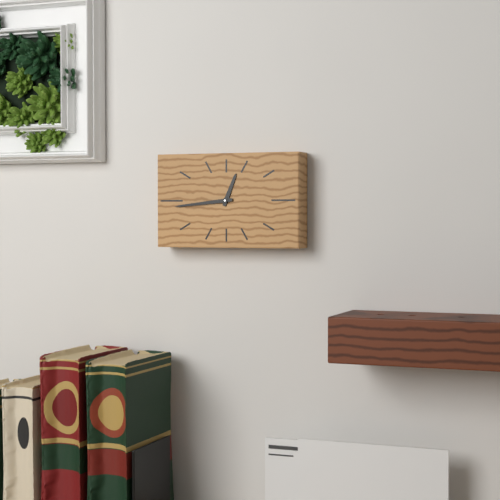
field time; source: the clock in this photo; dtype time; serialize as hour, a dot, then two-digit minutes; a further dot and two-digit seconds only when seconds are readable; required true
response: 12.44
